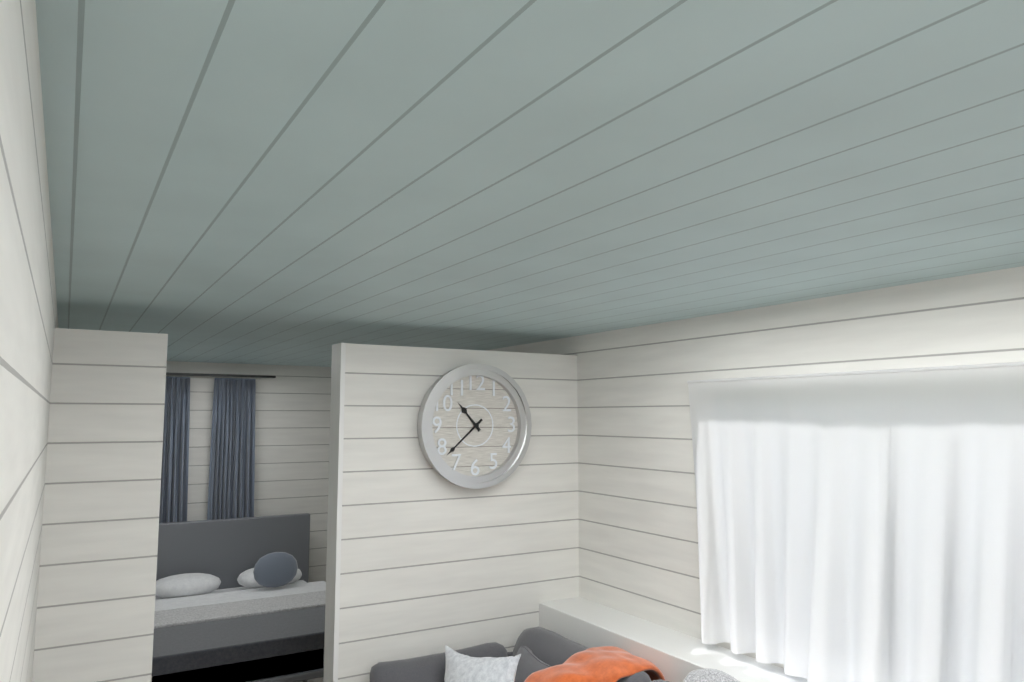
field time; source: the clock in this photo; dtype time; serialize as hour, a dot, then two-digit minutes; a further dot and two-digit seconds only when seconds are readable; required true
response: 10.38
